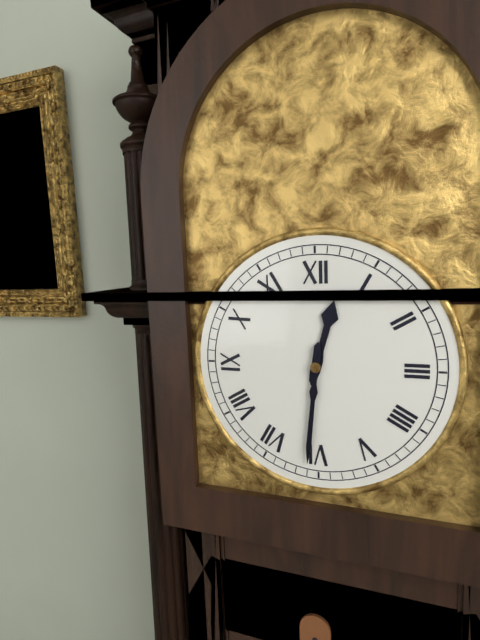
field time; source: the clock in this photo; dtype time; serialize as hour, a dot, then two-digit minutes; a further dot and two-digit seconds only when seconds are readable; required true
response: 12.31
